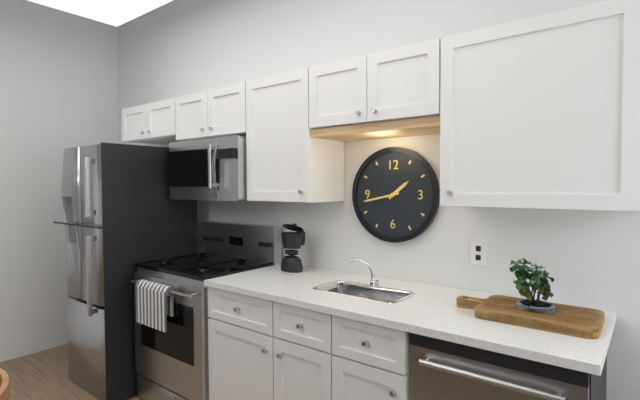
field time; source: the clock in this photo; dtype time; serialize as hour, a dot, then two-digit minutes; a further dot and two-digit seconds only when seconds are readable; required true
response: 1.43
